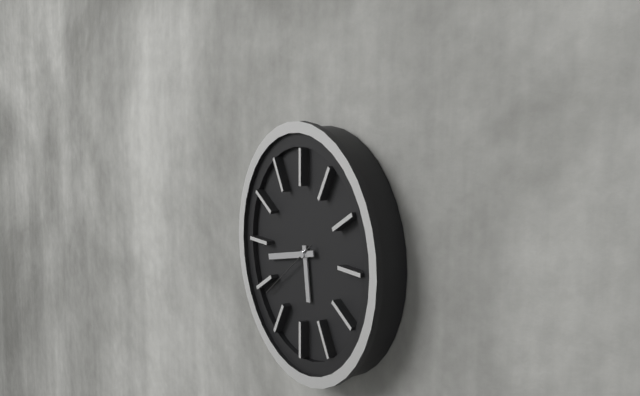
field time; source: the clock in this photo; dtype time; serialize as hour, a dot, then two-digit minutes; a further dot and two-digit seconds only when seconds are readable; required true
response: 5.43.39
